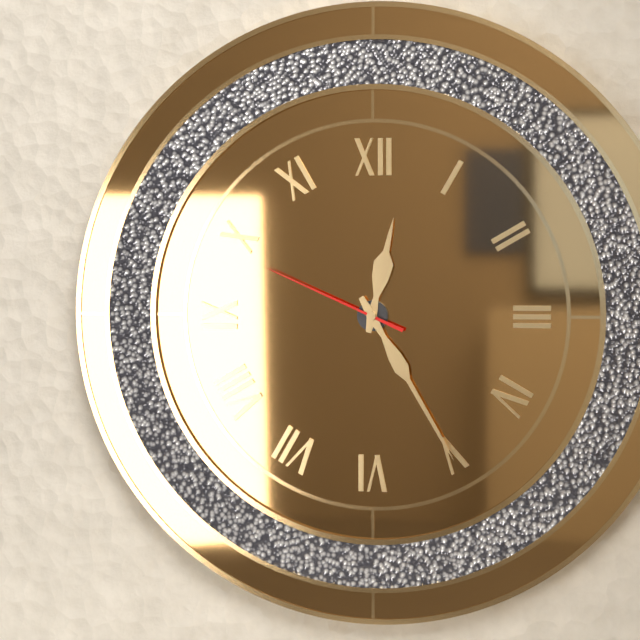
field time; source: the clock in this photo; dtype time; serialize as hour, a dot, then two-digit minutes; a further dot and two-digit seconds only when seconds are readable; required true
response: 12.25.49
